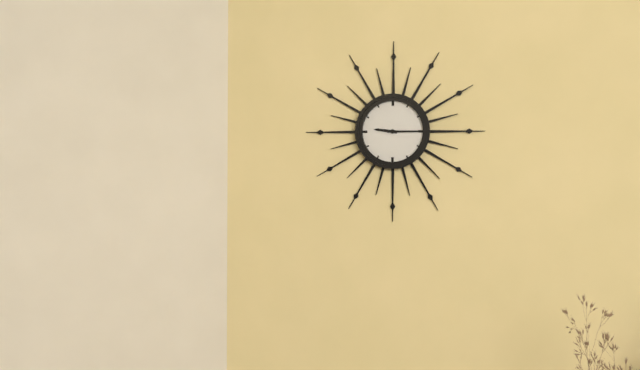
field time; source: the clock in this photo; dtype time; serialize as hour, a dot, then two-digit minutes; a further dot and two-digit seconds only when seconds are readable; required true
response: 9.15
